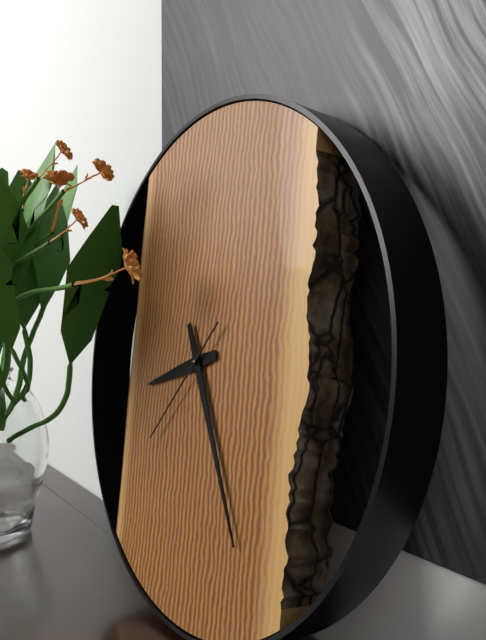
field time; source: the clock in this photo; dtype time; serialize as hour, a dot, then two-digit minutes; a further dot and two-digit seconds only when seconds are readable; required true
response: 8.25.37
